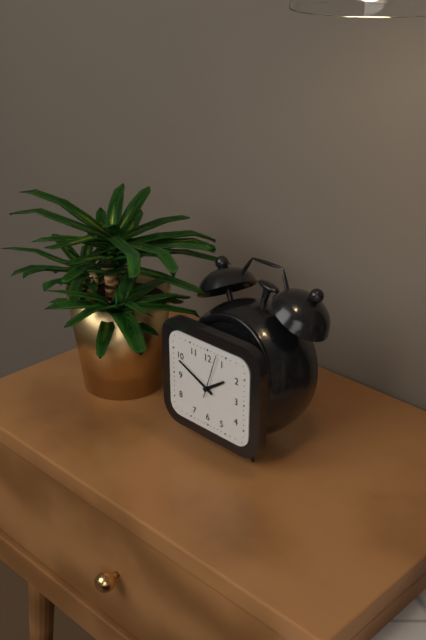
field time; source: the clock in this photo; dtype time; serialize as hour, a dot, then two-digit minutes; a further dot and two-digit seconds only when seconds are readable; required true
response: 1.49
